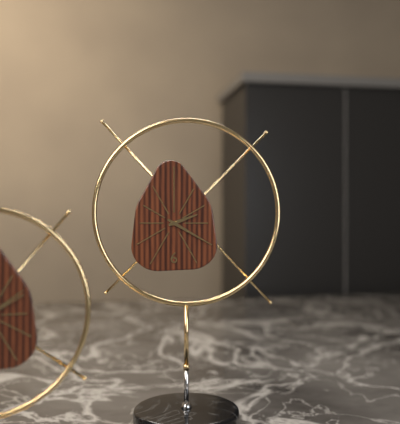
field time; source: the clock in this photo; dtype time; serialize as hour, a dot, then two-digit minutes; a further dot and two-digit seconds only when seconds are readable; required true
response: 2.20
